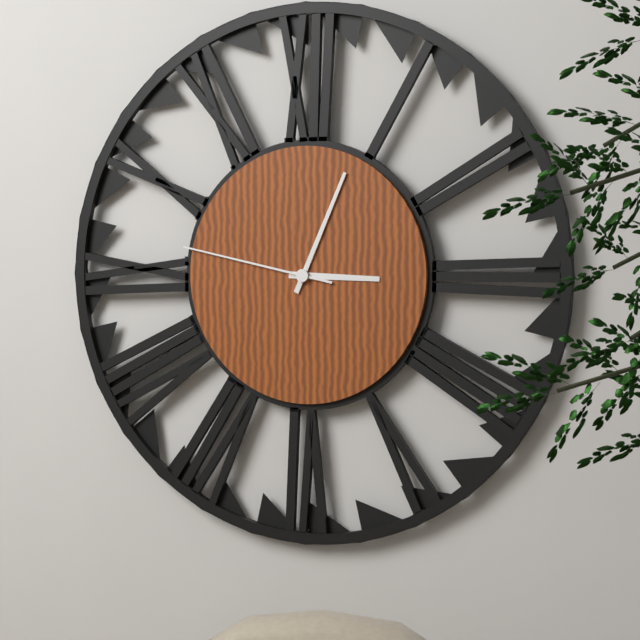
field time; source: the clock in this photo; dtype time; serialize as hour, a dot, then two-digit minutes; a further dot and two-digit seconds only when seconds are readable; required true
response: 3.04.47
